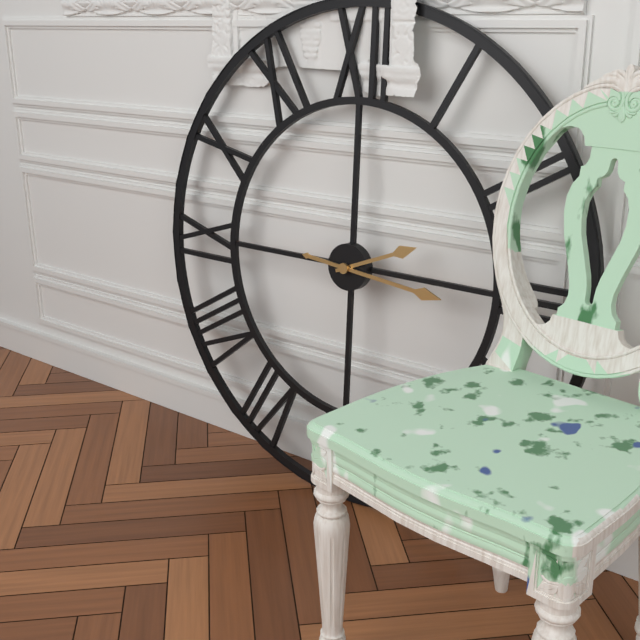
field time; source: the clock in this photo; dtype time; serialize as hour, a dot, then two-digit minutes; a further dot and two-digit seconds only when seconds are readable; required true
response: 2.16
